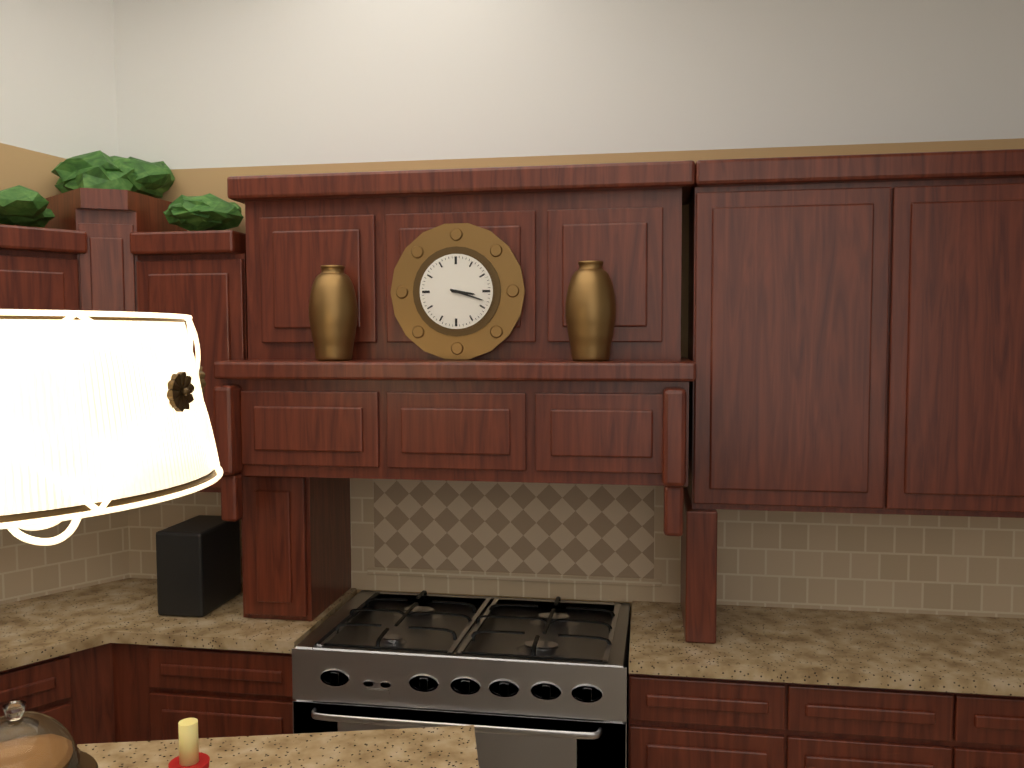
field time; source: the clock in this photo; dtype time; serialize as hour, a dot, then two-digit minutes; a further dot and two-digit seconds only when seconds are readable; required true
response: 3.18
